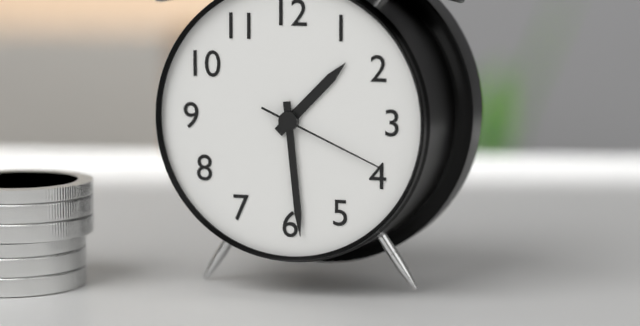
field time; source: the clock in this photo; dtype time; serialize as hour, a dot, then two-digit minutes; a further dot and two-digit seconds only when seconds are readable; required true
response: 1.29.19
